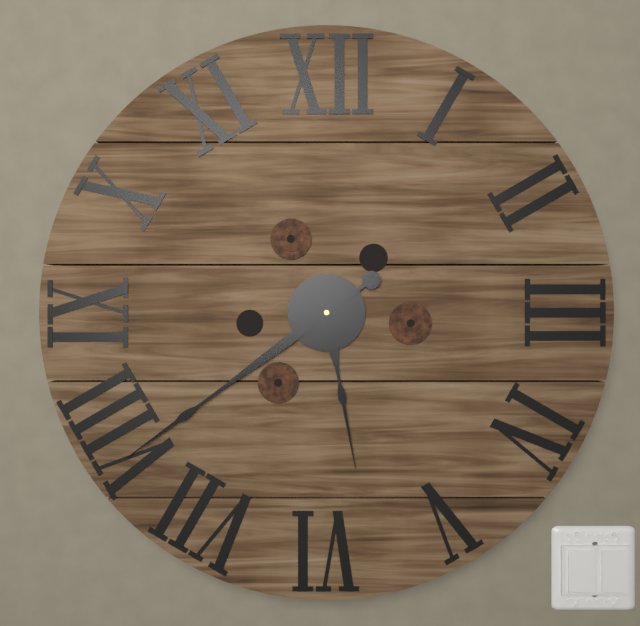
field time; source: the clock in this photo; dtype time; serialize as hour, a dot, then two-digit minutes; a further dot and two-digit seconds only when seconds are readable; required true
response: 5.39
